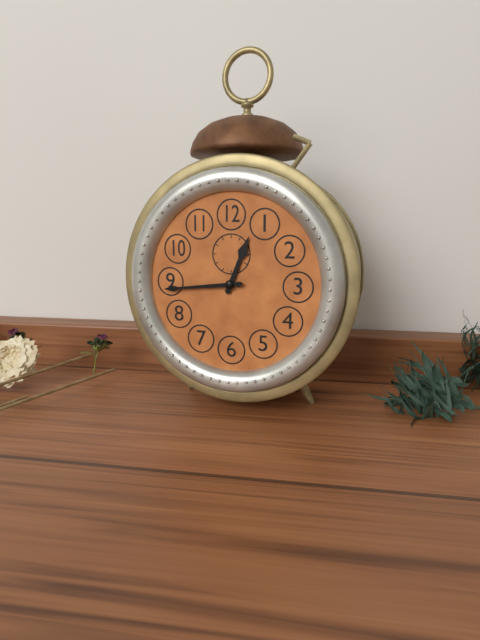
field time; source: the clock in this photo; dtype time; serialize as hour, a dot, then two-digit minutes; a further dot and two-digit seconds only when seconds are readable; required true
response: 12.44
